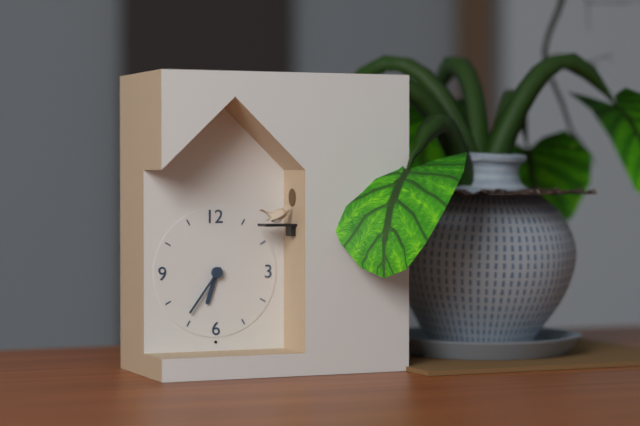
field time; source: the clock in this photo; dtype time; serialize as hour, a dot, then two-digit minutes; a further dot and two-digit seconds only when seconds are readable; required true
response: 6.36
